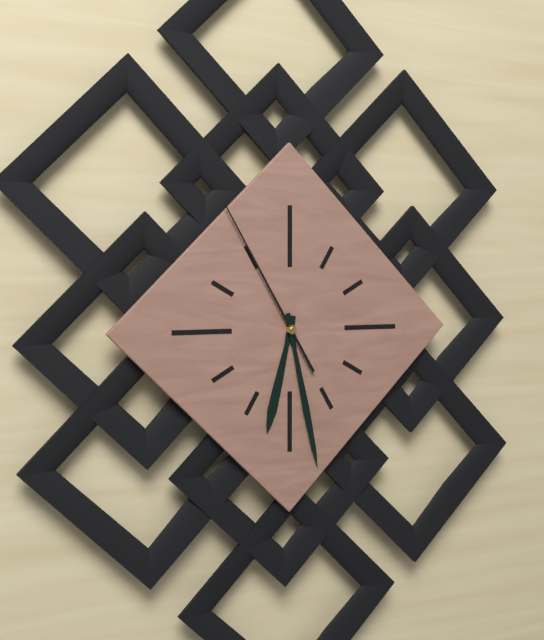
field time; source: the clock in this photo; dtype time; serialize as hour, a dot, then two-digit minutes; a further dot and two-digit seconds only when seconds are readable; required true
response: 6.28.55
